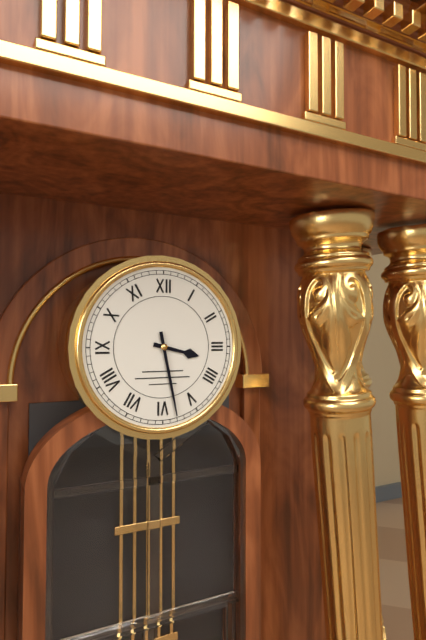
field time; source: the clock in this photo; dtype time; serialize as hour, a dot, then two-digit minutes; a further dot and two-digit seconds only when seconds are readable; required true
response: 3.28
